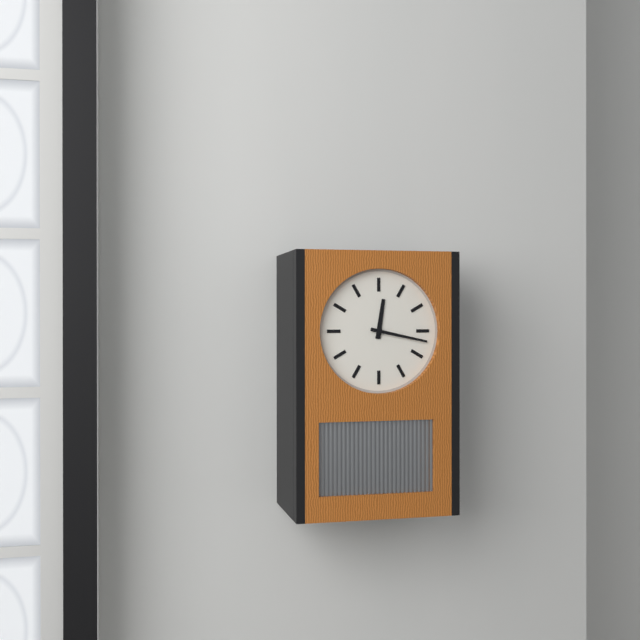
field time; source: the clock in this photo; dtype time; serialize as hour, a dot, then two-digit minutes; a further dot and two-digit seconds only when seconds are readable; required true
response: 12.17
